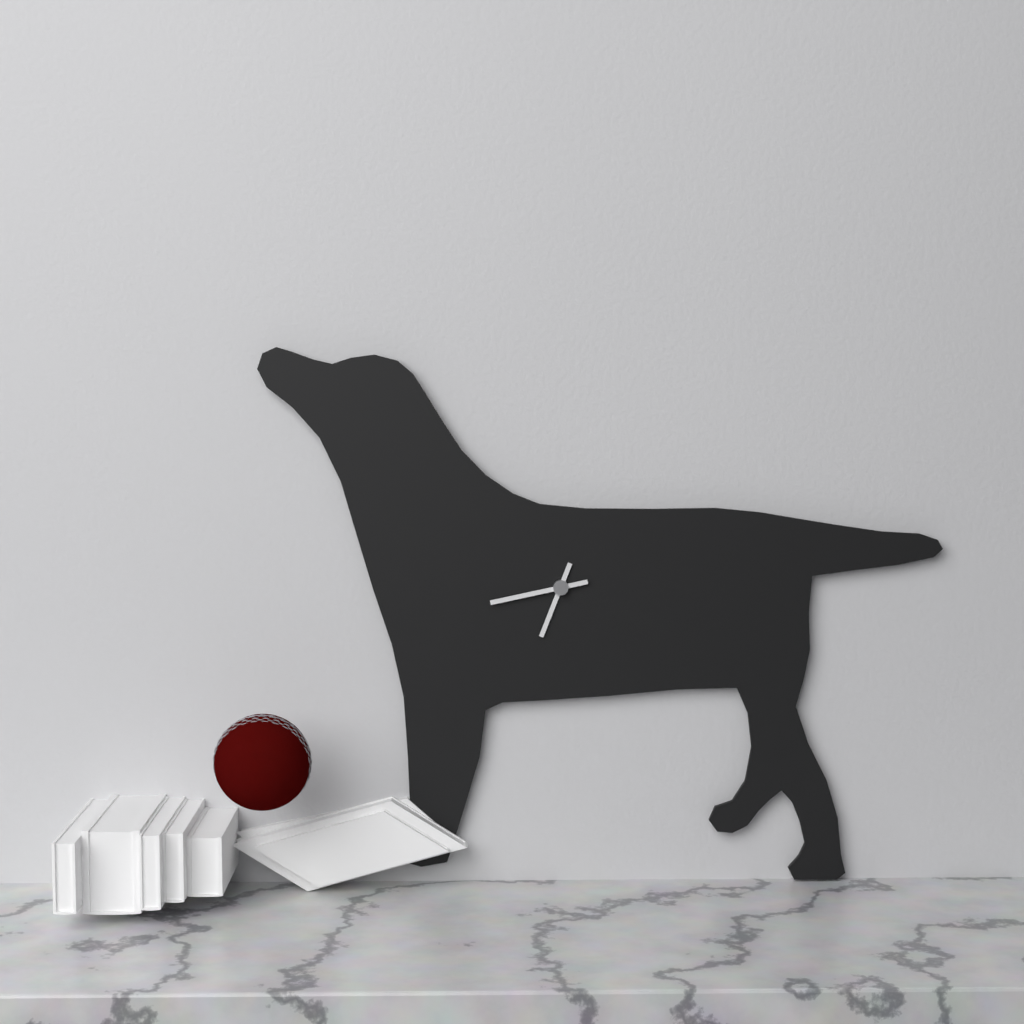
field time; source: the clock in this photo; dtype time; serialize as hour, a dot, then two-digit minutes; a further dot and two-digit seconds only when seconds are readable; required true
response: 6.43
